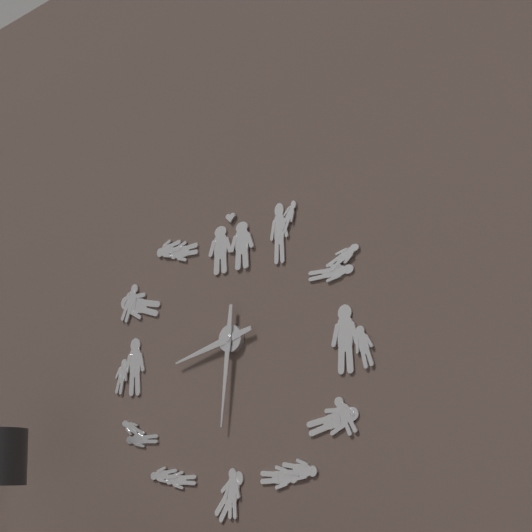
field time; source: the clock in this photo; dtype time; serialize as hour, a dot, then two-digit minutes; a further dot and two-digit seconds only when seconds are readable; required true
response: 8.31
